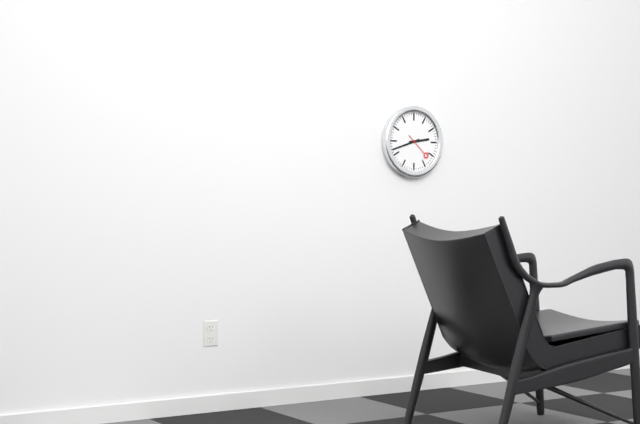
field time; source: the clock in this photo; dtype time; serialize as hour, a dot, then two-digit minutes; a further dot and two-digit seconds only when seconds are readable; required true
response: 2.42
